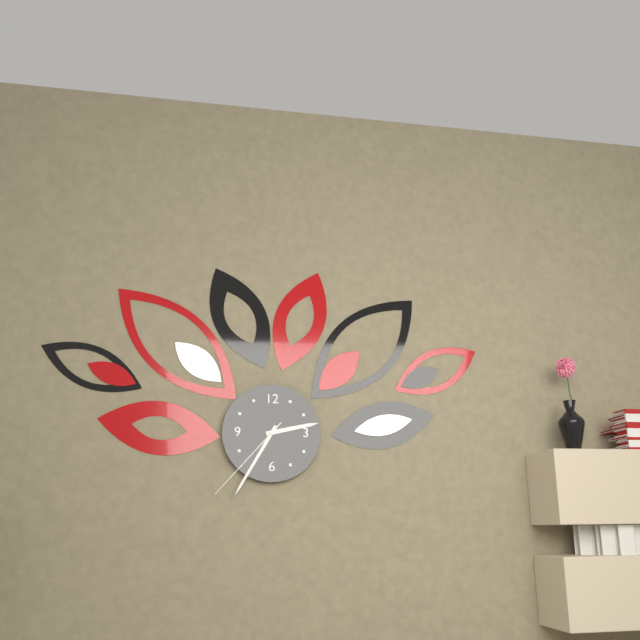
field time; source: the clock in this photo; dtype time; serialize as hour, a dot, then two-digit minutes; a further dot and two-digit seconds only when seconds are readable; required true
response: 2.35.37
